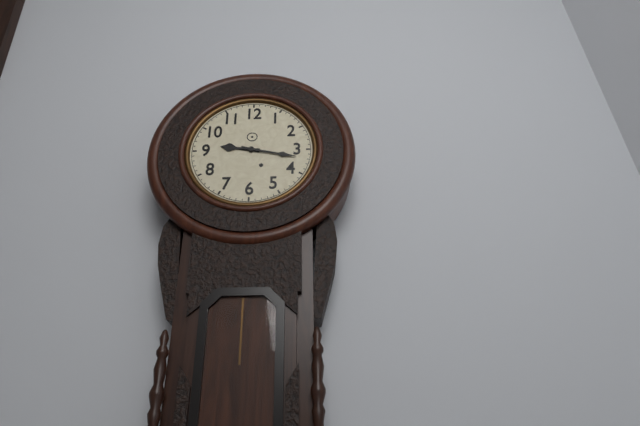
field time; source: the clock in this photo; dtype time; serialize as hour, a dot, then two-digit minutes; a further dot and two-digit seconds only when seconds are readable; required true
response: 9.17
